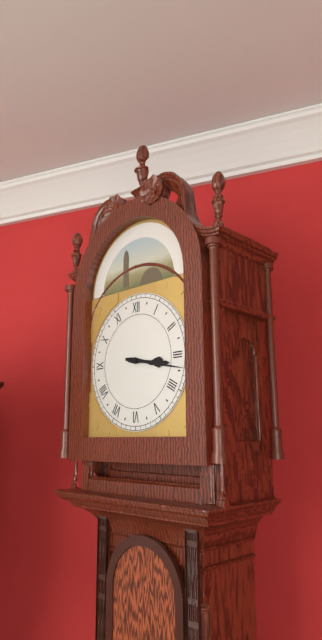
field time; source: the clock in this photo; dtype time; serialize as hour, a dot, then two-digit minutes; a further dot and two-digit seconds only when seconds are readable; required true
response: 3.17
